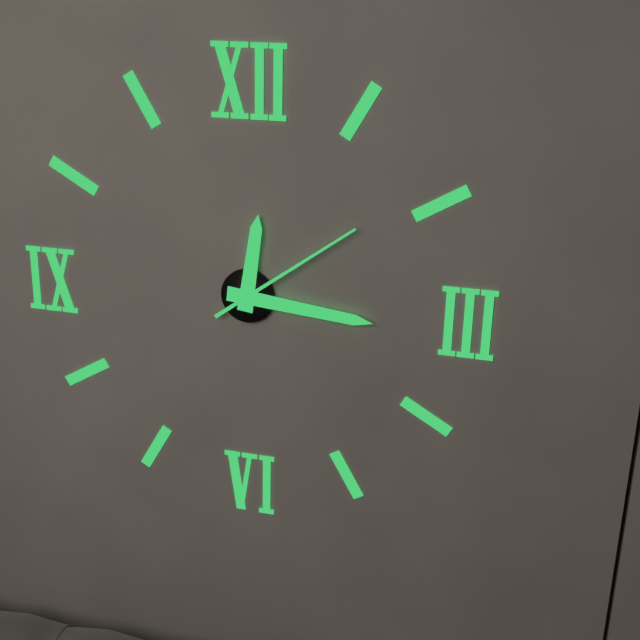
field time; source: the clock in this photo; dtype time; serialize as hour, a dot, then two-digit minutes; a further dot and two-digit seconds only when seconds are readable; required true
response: 12.16.09
